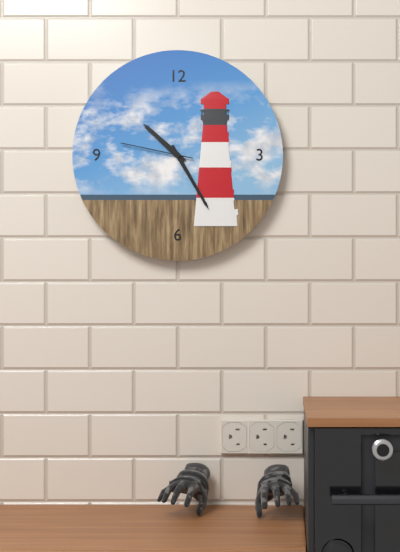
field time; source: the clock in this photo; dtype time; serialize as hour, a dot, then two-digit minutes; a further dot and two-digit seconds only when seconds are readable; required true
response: 10.25.47
